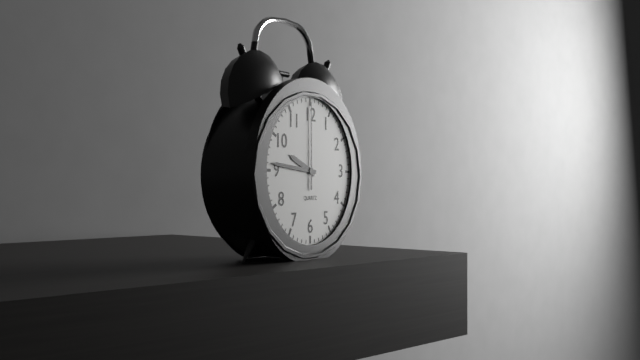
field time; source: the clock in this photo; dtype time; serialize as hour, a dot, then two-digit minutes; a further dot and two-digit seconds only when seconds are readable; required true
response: 9.46.00
